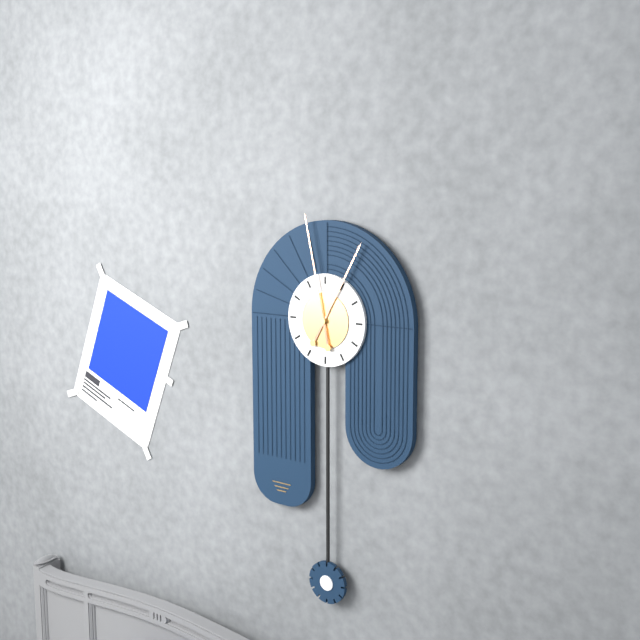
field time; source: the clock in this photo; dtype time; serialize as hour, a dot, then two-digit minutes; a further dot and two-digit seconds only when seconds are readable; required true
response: 12.58
